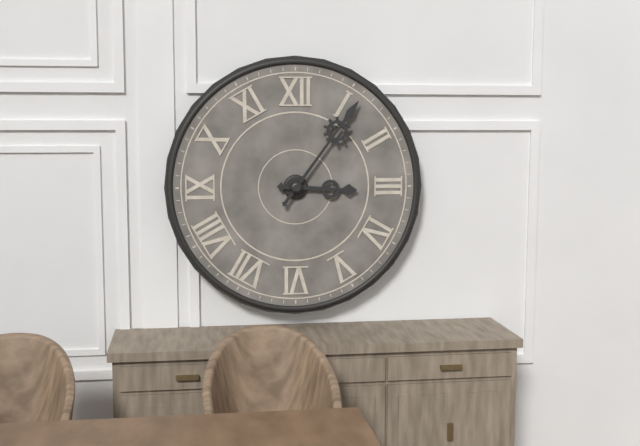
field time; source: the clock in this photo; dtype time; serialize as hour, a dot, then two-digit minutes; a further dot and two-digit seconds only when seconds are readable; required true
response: 3.06
